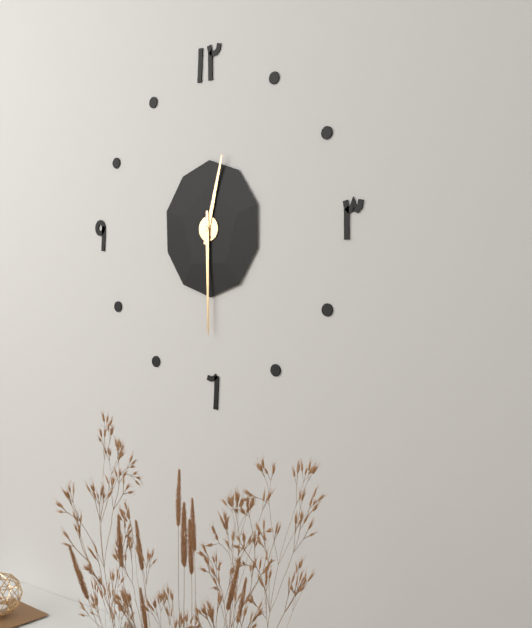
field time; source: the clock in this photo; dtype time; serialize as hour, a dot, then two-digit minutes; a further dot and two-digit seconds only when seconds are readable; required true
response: 12.30
